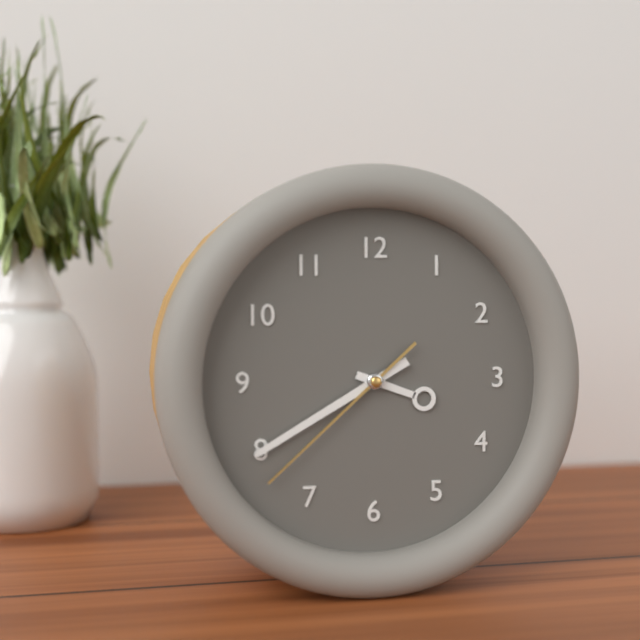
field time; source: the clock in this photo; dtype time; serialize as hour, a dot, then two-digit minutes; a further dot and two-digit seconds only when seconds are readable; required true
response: 3.40.38
